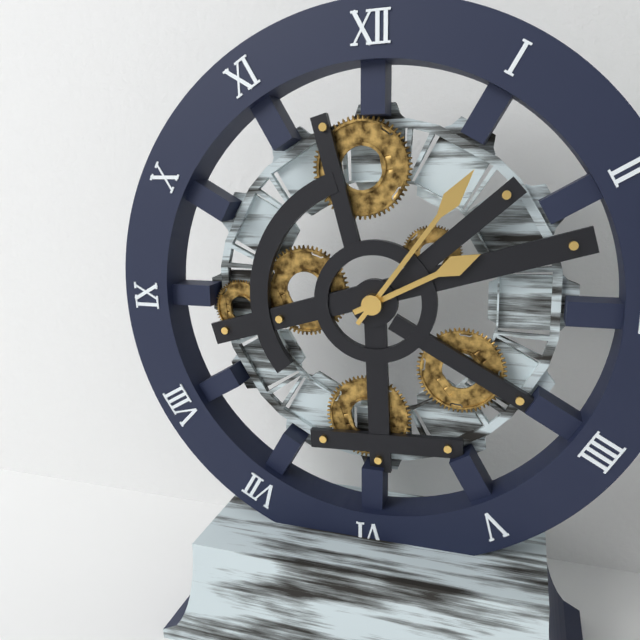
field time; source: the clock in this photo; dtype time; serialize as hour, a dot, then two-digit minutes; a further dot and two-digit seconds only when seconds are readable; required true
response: 2.06
